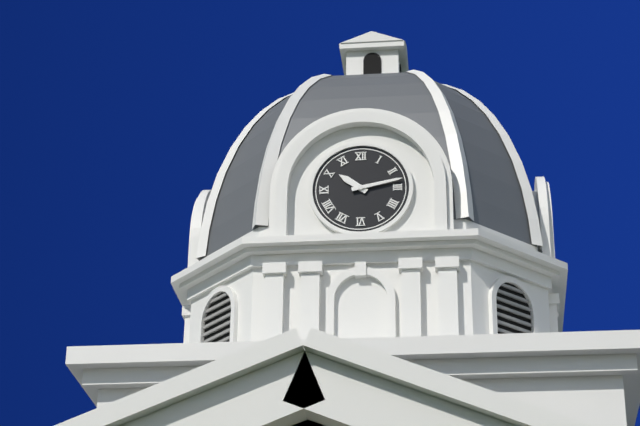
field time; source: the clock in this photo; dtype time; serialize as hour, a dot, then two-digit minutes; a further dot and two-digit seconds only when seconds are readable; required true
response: 10.13
